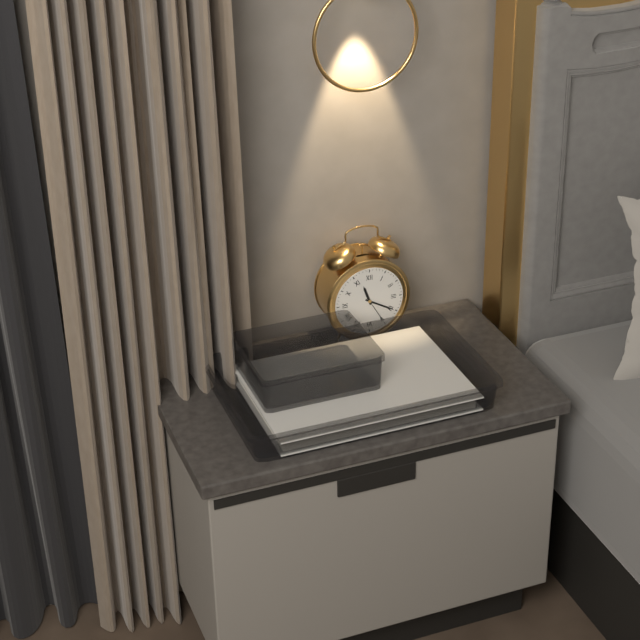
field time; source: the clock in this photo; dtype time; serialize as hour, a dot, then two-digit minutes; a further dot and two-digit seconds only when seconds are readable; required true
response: 11.20
